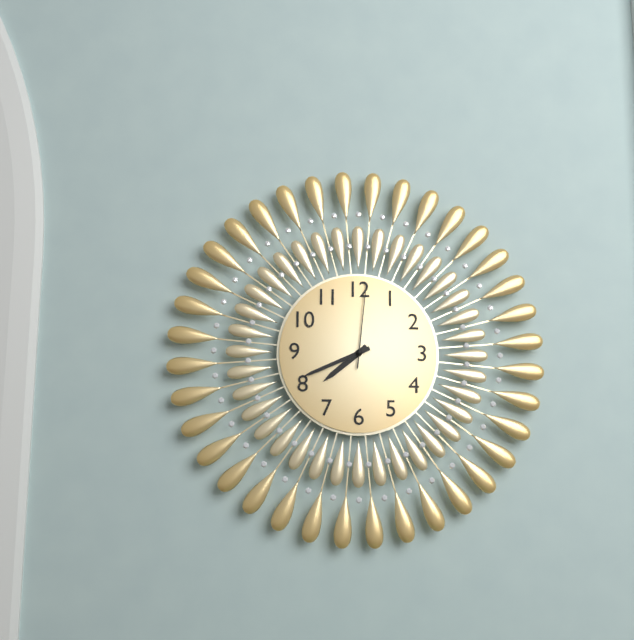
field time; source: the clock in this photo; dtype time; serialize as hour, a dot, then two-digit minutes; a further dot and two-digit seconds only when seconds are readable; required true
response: 7.41.01
